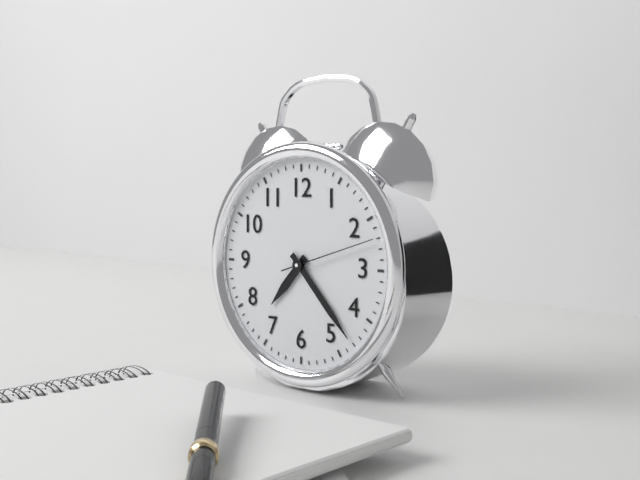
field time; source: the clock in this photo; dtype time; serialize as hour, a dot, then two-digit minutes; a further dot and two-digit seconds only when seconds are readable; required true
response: 7.23.12
